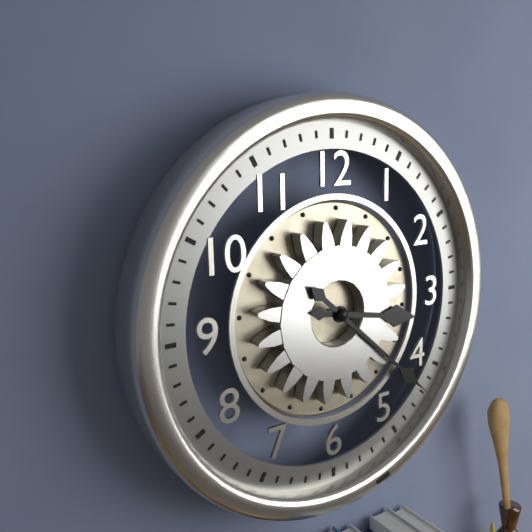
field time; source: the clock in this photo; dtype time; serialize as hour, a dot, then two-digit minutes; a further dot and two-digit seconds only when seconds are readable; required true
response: 3.22
